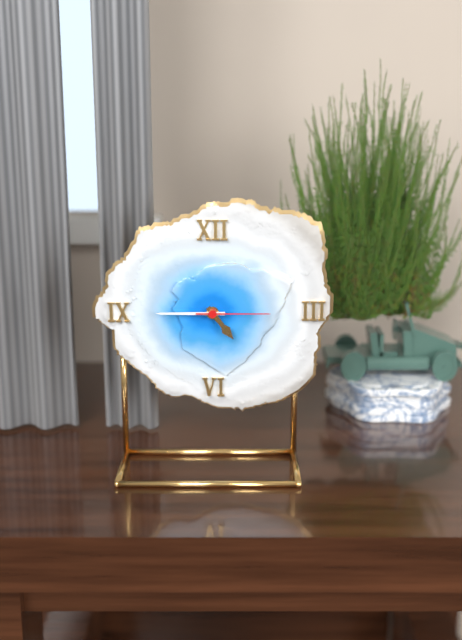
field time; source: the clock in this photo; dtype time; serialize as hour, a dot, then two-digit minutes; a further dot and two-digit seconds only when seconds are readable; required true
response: 4.45.15
